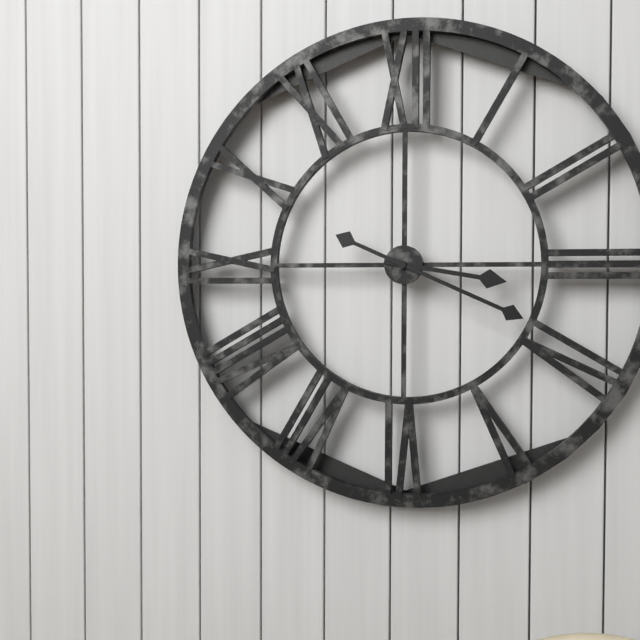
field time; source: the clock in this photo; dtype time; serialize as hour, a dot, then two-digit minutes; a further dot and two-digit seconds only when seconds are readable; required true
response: 3.19
